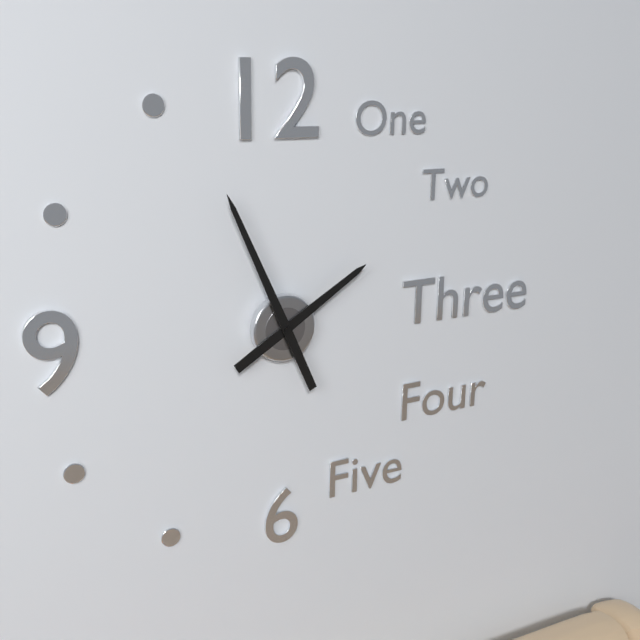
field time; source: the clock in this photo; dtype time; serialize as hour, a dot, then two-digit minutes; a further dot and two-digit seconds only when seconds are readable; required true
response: 1.56
